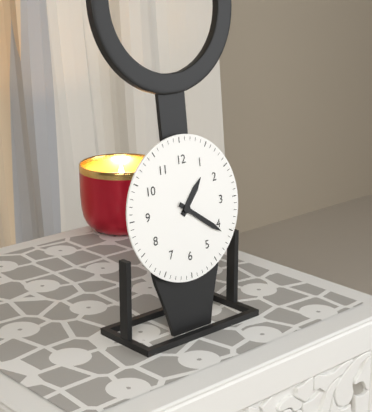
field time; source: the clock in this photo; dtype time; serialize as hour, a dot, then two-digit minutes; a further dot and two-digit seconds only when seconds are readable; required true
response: 1.21
